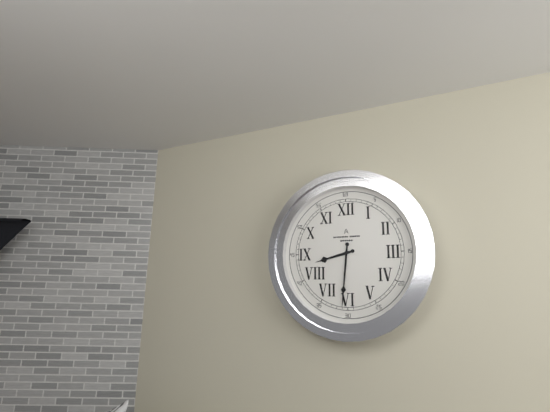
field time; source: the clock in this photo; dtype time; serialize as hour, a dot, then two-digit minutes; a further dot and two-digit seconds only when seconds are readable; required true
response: 8.31
